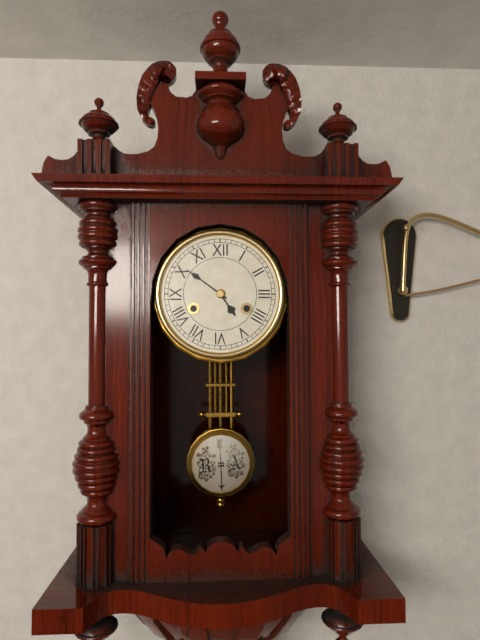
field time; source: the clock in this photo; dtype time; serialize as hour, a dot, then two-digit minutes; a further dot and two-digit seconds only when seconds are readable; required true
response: 4.51
